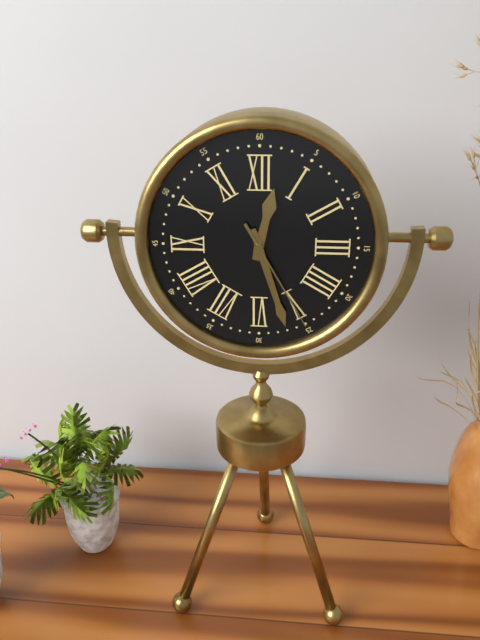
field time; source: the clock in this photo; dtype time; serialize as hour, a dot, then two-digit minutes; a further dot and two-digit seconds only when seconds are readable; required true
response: 12.27.25
